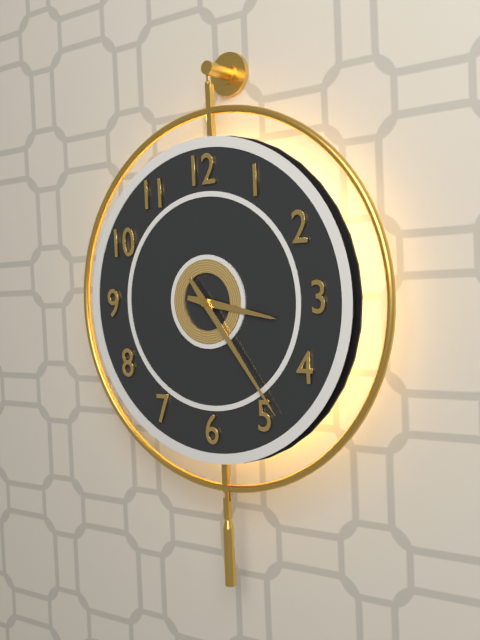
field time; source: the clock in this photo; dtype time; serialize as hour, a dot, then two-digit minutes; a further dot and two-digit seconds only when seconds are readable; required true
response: 3.24
